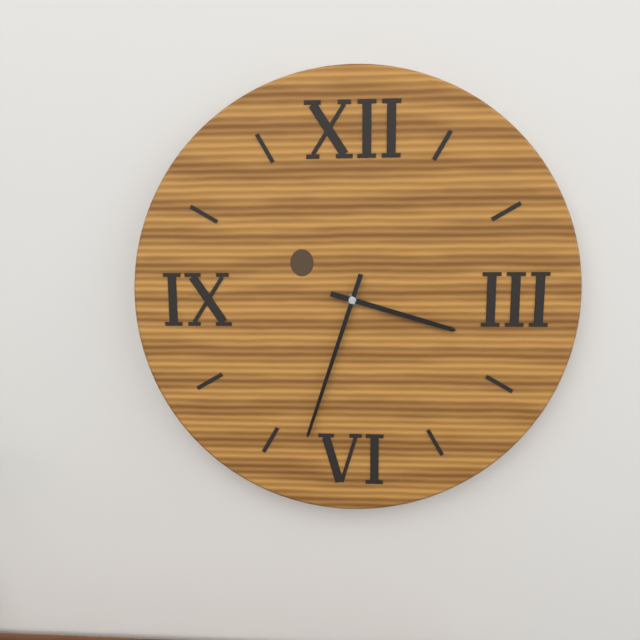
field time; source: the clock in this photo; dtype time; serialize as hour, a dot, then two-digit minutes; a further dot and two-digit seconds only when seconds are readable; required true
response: 3.33
